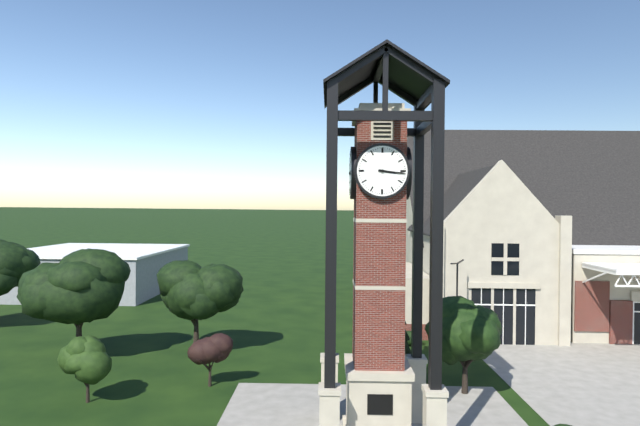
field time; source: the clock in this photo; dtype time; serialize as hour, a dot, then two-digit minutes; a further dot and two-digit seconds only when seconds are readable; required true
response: 3.16
